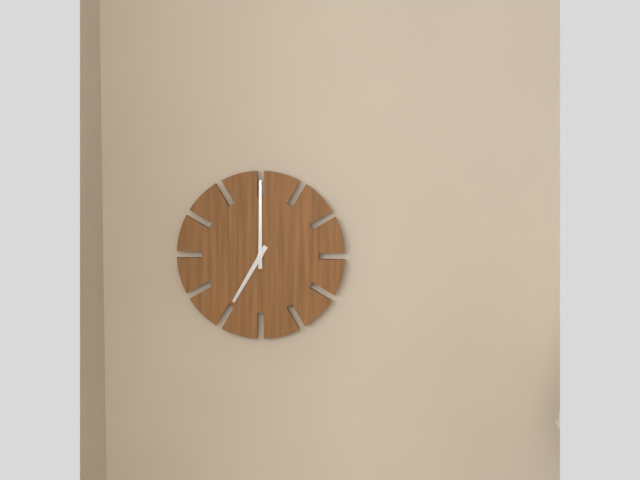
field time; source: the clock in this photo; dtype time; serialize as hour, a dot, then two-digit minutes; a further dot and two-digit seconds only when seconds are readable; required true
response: 7.00
